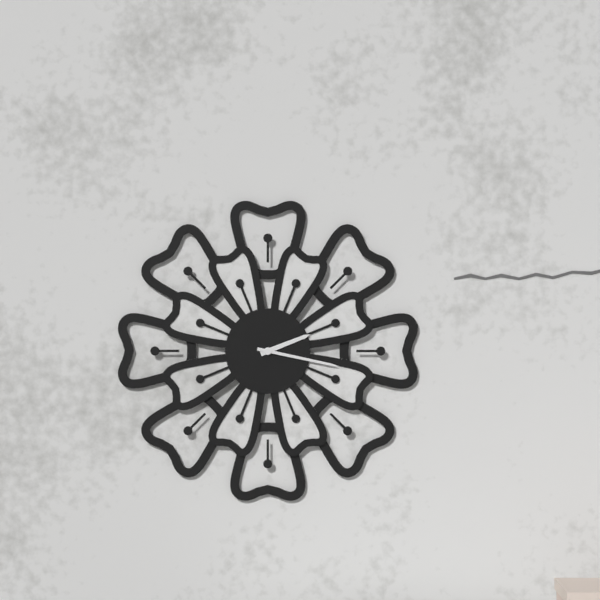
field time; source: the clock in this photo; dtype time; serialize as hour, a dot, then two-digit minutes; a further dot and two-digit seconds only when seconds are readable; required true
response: 2.17
